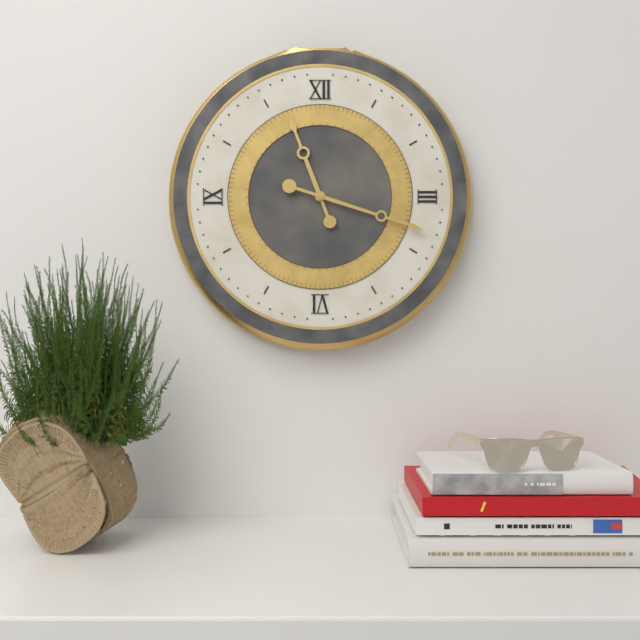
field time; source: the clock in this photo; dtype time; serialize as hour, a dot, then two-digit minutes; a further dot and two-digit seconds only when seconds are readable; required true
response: 11.18
